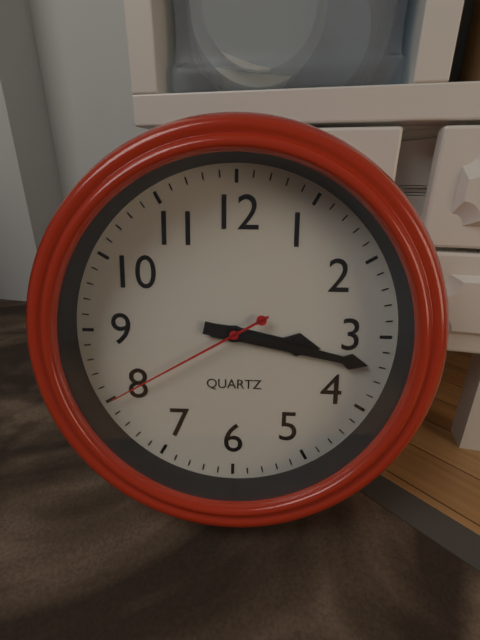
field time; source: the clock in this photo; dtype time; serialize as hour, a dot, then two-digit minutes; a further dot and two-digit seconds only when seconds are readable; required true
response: 3.17.40
